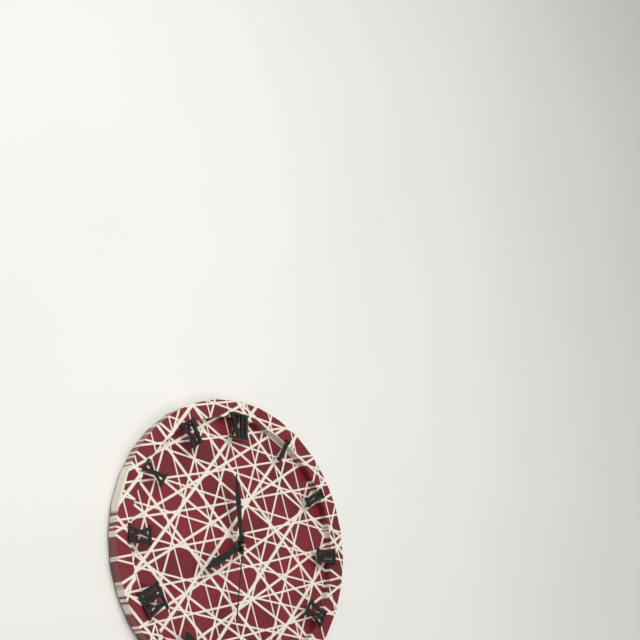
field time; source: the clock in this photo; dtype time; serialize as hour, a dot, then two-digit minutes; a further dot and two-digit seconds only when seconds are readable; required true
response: 7.59.31
